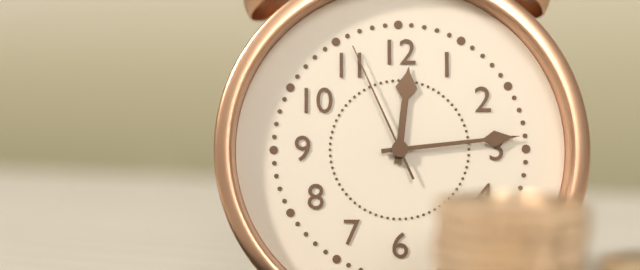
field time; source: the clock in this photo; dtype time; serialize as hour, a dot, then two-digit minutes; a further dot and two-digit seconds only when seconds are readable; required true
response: 12.14.56
